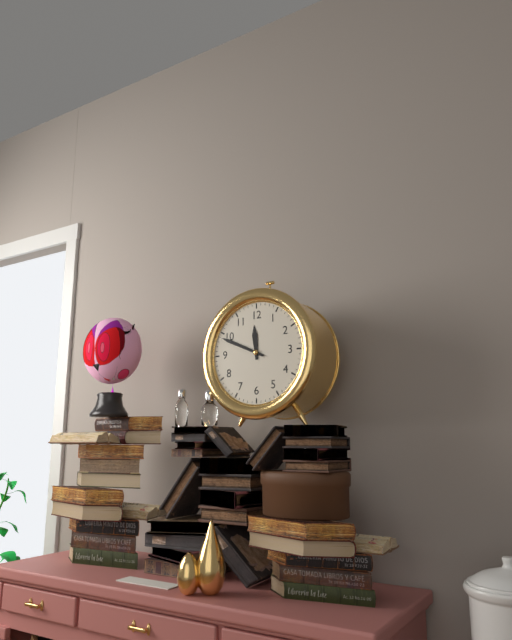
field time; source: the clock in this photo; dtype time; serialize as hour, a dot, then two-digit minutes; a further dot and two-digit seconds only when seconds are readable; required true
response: 11.49
